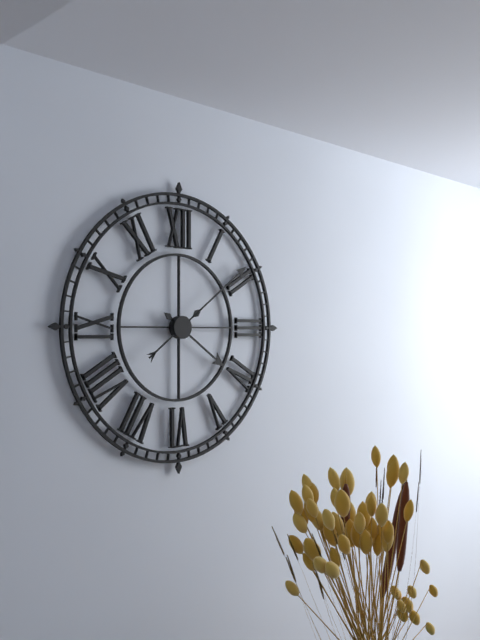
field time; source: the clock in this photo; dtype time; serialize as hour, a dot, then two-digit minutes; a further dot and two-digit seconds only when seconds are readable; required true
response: 4.09
